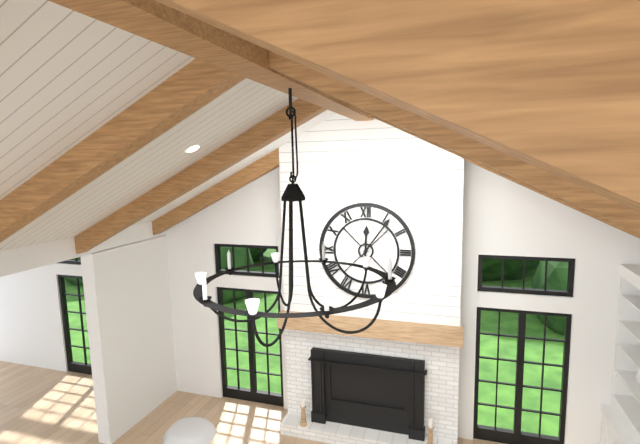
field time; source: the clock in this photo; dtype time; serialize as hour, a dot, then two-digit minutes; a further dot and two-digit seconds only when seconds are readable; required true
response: 12.06
